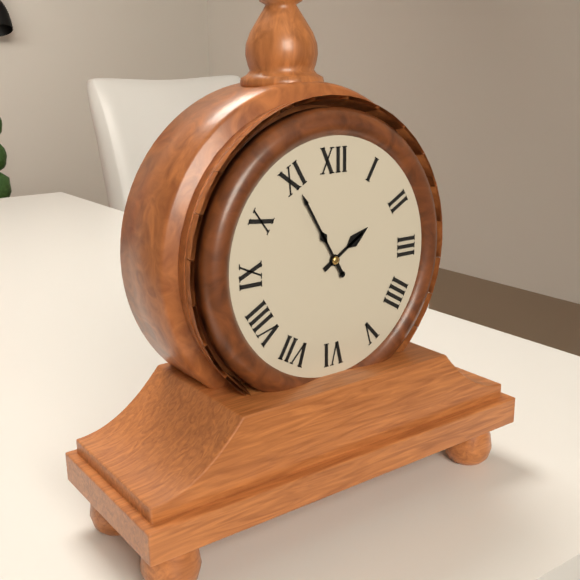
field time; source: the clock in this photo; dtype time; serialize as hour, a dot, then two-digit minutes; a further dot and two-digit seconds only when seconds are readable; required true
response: 1.55
